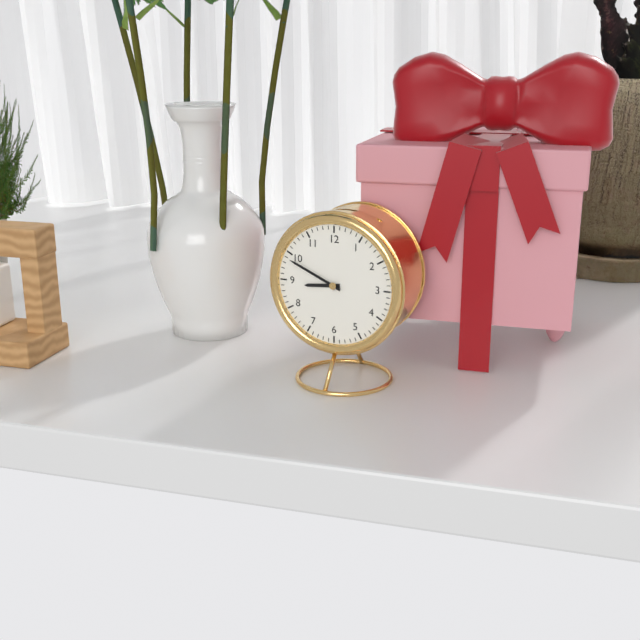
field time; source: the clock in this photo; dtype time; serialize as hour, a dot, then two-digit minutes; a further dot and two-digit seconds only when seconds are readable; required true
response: 8.49
